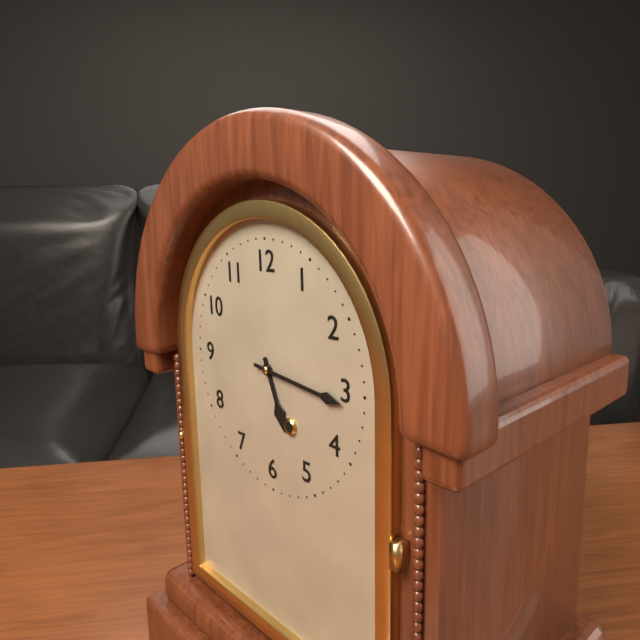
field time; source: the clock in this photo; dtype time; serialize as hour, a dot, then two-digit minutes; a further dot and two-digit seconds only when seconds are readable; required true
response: 5.16
